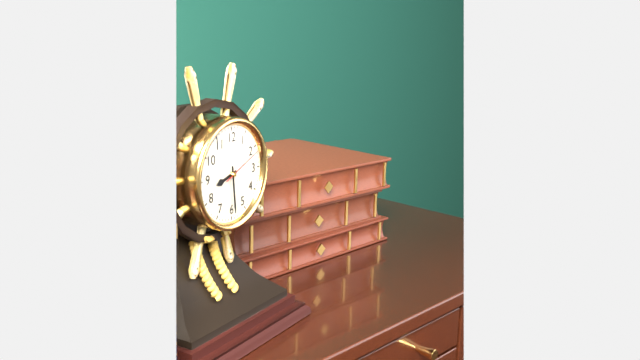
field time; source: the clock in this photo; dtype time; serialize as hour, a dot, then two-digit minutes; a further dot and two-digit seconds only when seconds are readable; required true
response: 8.29
